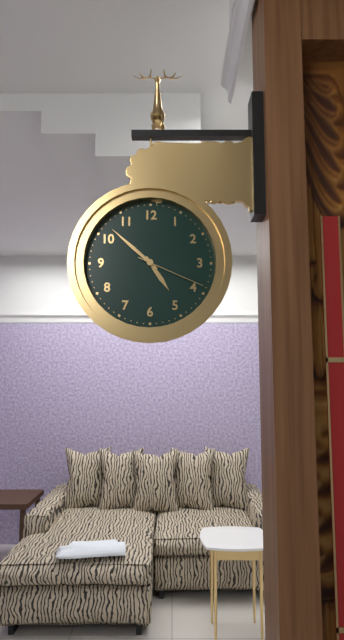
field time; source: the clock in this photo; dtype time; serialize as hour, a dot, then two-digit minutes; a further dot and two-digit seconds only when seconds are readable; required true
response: 4.52.19
